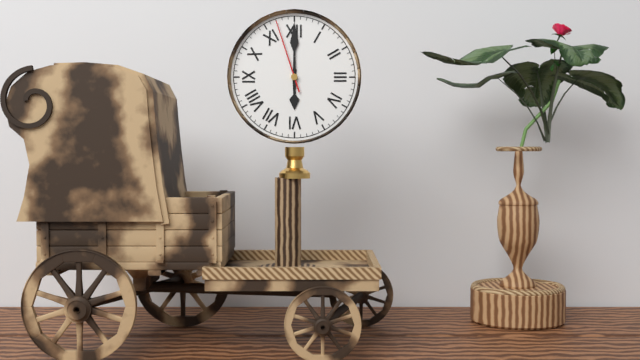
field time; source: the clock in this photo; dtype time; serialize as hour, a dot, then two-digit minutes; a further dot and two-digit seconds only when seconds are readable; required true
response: 6.00.57
